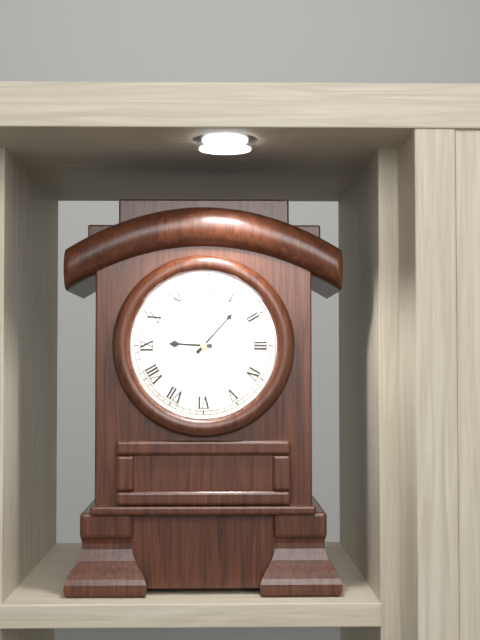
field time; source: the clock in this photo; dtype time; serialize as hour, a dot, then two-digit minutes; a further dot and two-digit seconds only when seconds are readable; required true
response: 9.07
